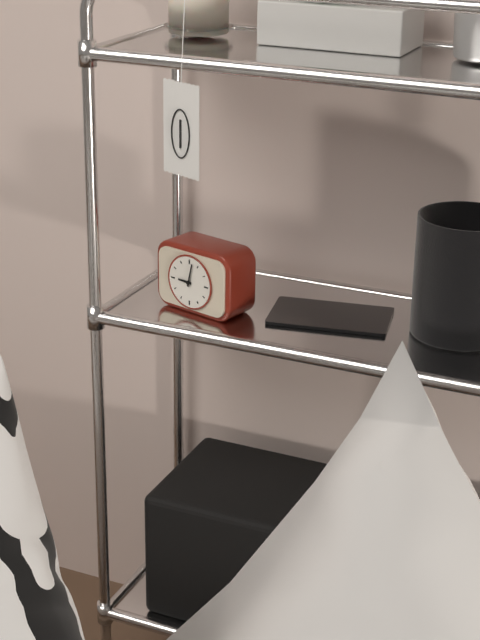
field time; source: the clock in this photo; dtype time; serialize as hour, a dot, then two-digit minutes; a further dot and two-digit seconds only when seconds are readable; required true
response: 9.02
